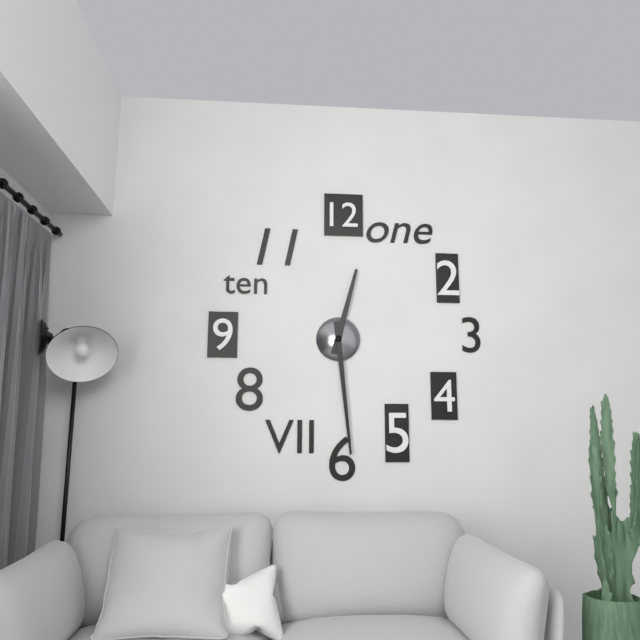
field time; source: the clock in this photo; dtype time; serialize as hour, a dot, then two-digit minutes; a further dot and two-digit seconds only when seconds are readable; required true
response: 12.29
